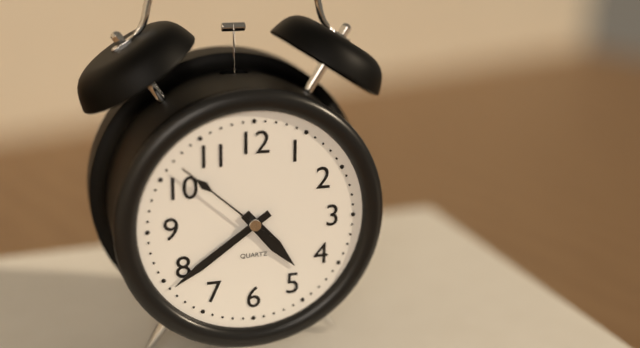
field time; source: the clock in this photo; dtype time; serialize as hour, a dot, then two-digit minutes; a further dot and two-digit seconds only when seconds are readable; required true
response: 4.39.52
